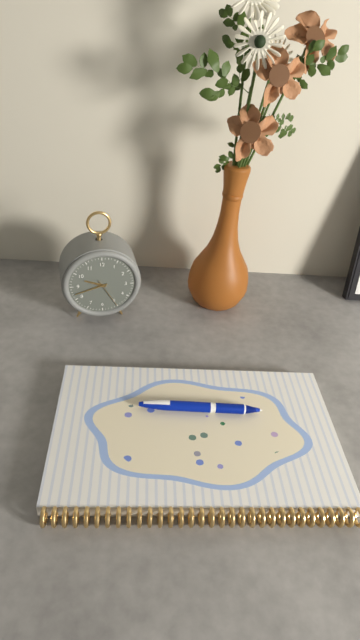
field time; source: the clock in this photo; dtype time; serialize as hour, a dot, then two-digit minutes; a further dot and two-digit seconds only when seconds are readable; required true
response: 9.42
